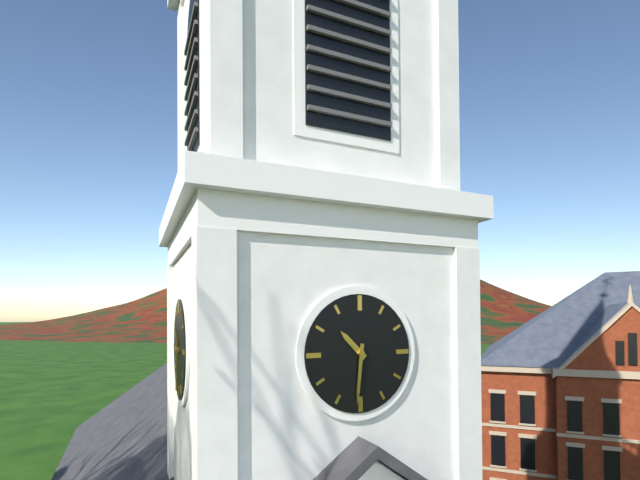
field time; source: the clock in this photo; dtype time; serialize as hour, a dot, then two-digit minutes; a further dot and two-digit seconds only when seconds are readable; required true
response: 10.31
